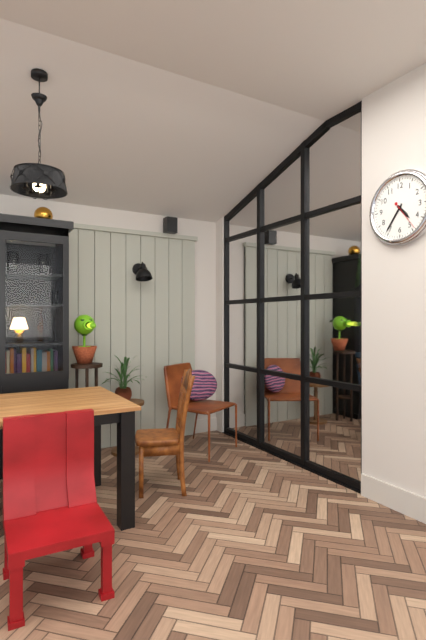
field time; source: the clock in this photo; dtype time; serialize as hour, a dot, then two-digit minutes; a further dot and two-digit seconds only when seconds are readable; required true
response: 4.36
